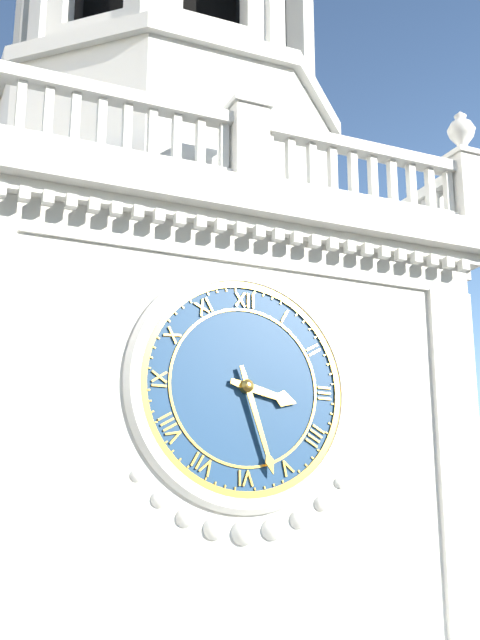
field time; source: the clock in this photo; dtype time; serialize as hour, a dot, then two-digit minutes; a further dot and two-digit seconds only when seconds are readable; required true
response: 3.27
